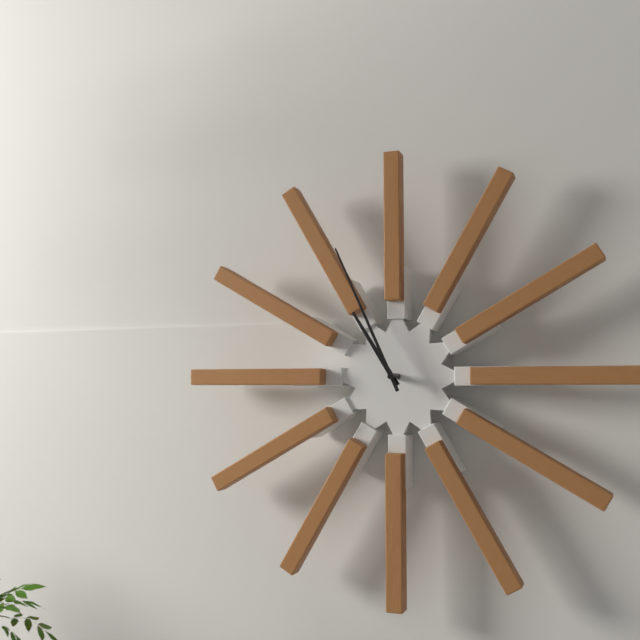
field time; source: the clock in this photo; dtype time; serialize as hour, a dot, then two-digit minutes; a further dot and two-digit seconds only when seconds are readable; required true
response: 10.56
